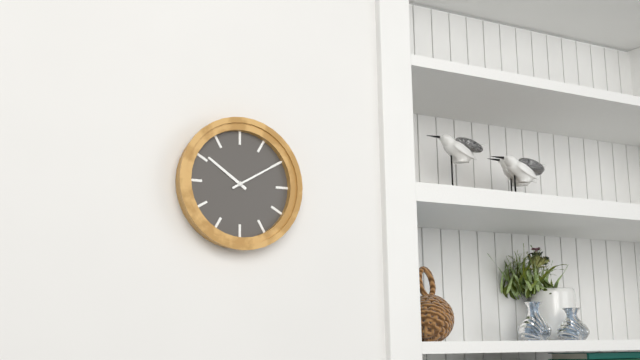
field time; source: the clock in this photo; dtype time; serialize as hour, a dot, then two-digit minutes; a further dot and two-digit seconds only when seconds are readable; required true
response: 10.10
